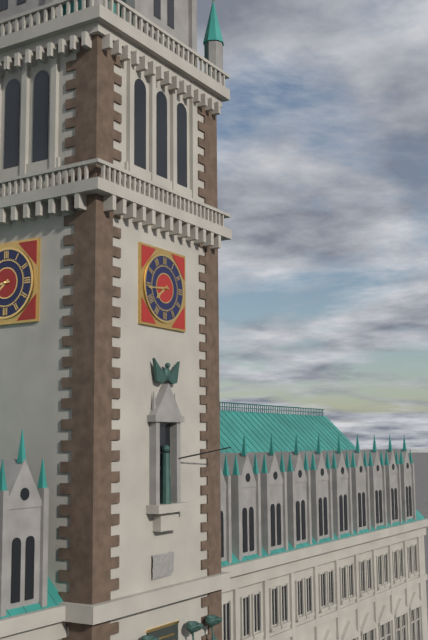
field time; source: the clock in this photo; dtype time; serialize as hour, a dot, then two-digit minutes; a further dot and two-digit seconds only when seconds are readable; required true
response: 7.44
